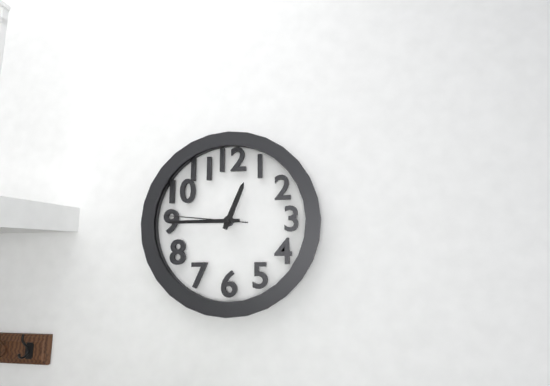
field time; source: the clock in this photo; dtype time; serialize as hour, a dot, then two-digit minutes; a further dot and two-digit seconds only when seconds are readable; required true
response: 12.45.46
